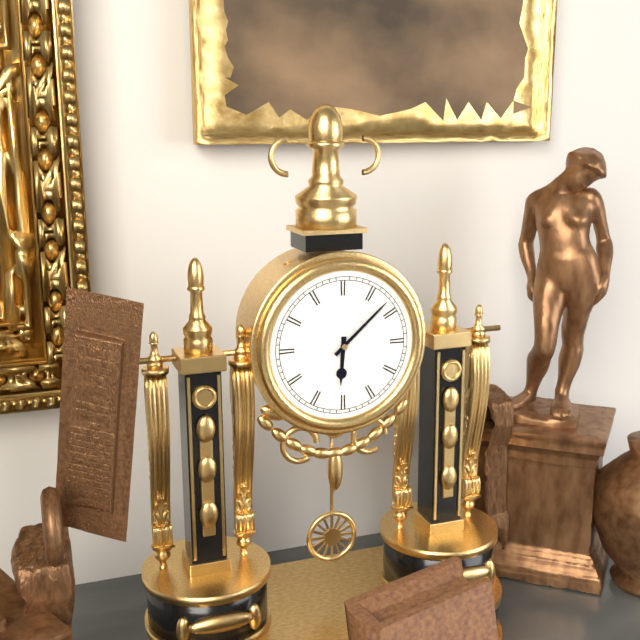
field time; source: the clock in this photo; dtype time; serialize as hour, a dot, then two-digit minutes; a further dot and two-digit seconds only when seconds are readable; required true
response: 6.08
